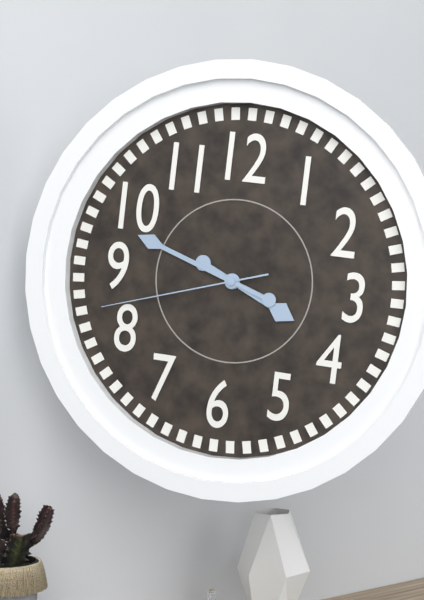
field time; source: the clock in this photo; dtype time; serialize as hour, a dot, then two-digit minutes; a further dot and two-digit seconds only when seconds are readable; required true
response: 3.48.42
